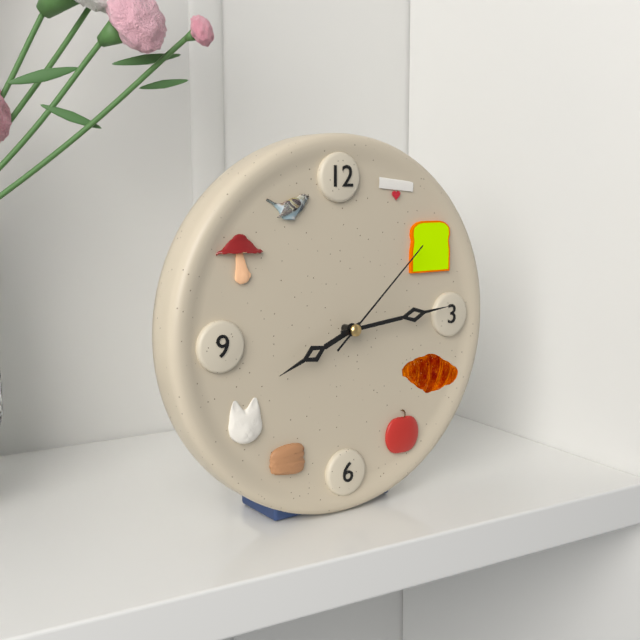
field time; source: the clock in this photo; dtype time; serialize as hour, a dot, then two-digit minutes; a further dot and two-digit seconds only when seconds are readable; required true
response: 8.14.08
